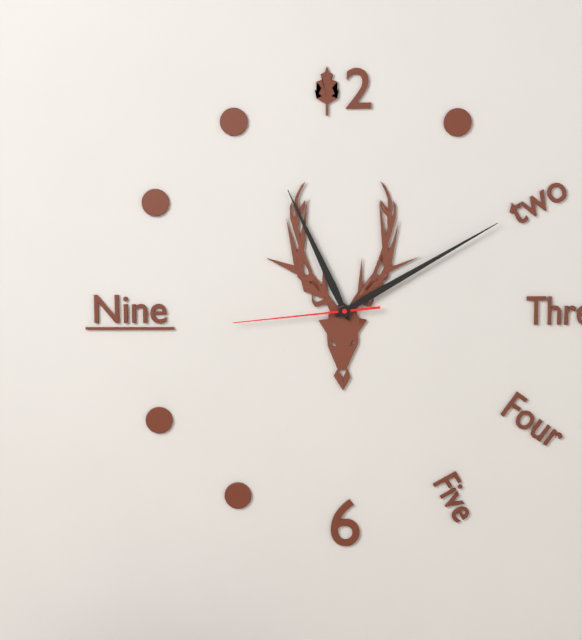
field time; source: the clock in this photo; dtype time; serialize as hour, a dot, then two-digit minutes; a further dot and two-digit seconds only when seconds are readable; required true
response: 11.10.44
